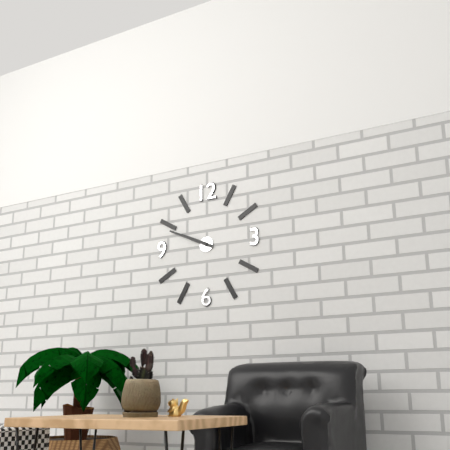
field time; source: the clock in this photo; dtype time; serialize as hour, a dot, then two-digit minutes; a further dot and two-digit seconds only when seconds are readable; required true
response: 9.49
